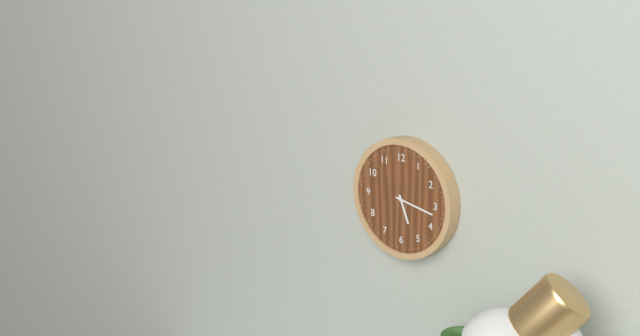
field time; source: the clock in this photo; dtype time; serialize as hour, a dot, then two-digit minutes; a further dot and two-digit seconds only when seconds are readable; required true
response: 5.17
